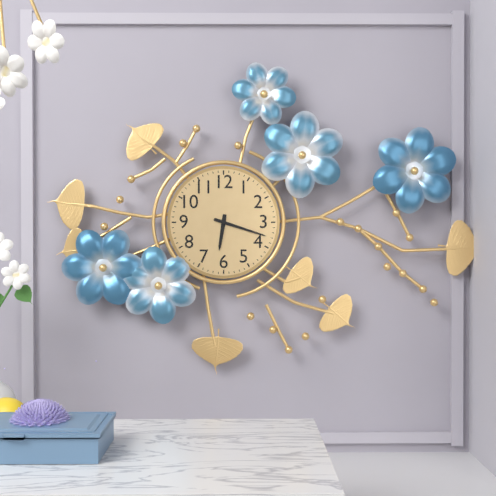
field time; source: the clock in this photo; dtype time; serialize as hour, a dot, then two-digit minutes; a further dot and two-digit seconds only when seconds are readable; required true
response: 6.18
